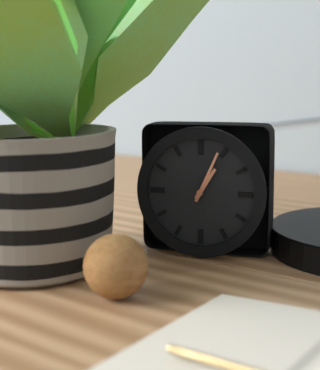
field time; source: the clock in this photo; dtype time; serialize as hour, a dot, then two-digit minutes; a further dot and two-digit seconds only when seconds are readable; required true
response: 1.04
